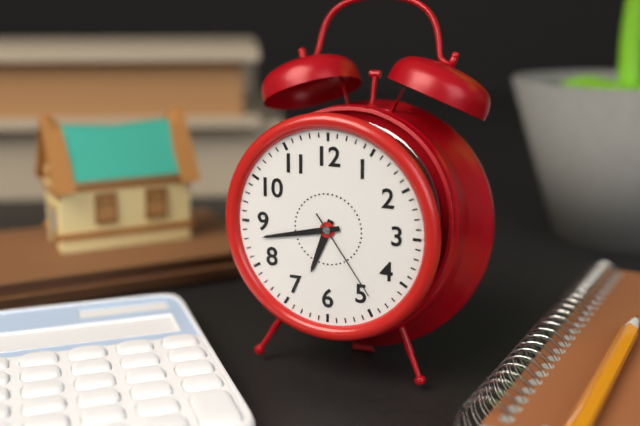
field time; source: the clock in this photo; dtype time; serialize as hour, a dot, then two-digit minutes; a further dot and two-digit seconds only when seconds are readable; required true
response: 6.43.24
